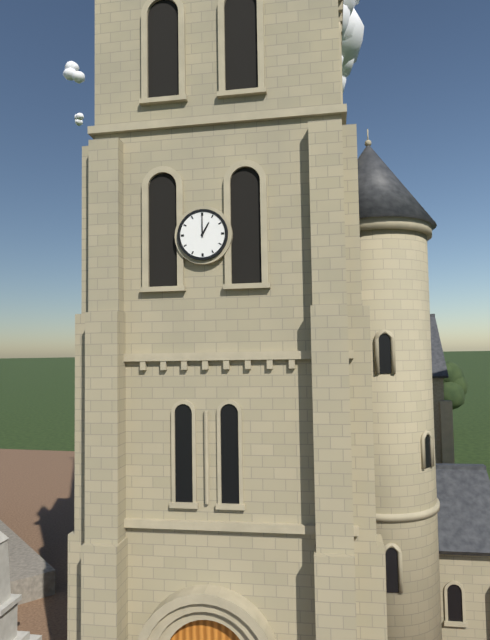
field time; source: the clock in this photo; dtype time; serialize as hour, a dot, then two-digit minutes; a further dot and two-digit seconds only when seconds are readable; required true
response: 1.00
